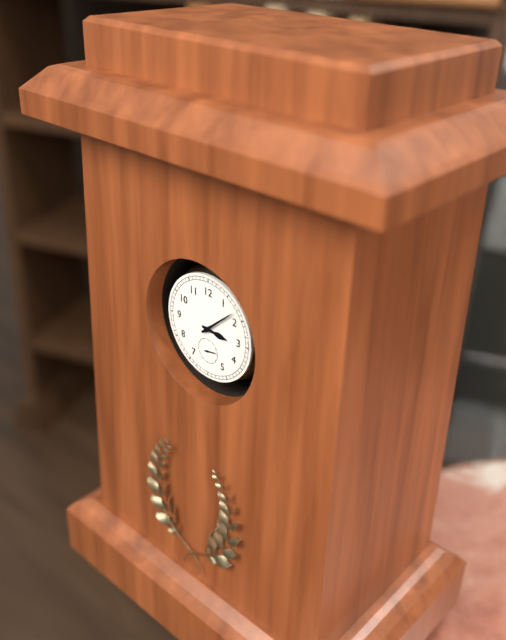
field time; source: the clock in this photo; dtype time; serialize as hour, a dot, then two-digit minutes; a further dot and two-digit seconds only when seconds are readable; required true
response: 3.08
